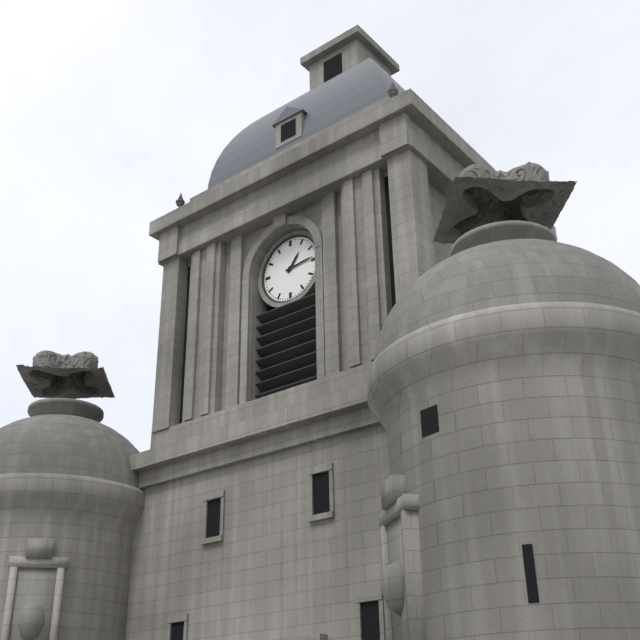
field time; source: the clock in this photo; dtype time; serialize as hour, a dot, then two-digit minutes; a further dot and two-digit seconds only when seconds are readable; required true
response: 1.14
